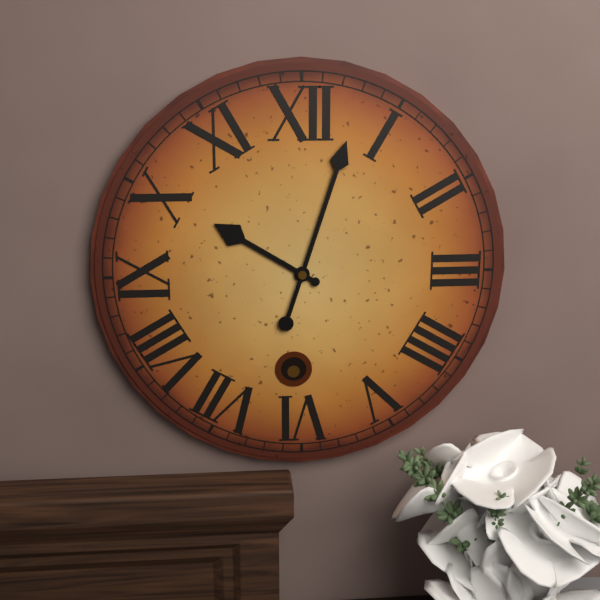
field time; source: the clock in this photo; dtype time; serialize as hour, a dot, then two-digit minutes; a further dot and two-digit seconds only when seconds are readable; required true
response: 10.03
